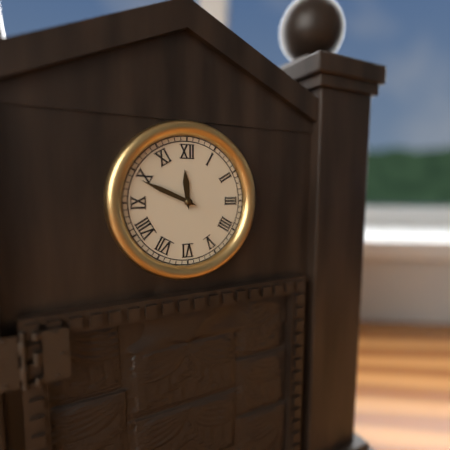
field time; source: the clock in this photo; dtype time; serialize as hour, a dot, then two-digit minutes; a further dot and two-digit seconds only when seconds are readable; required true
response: 11.49
